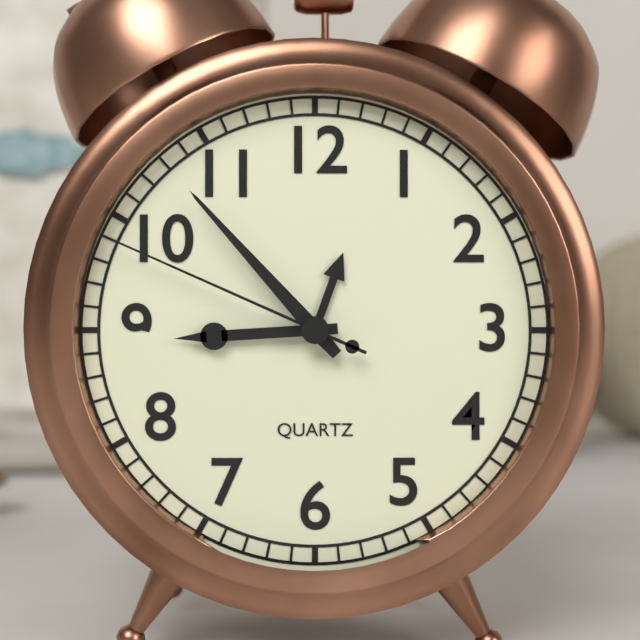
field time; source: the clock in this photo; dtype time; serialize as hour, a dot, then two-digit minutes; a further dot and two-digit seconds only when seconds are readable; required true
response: 8.53.49
